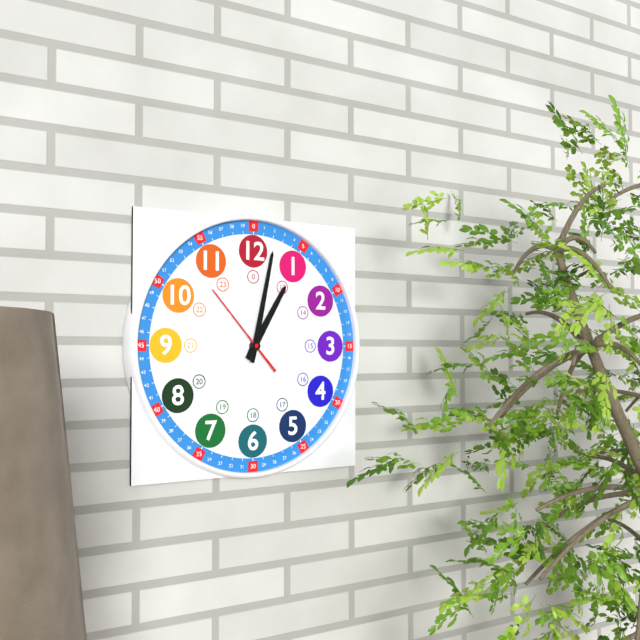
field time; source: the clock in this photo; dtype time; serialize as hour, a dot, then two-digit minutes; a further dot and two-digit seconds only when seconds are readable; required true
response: 1.02.53
